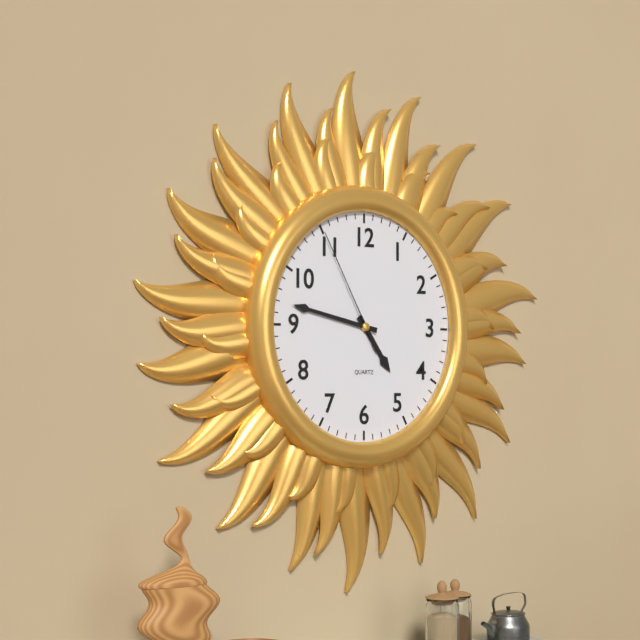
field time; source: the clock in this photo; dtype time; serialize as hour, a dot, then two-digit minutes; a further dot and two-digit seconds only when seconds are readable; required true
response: 4.47.55
